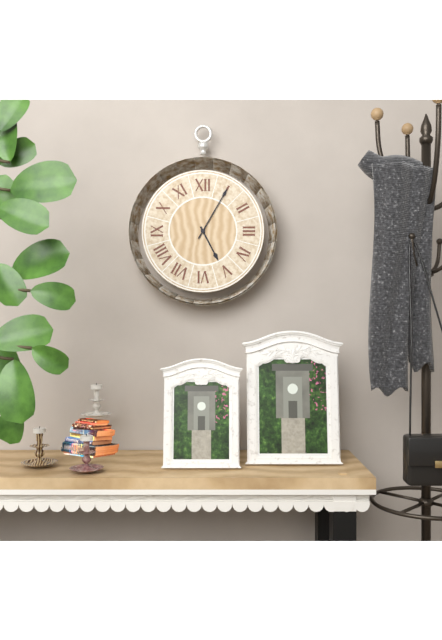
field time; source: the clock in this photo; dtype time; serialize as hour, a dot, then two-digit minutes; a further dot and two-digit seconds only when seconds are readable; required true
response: 5.05
